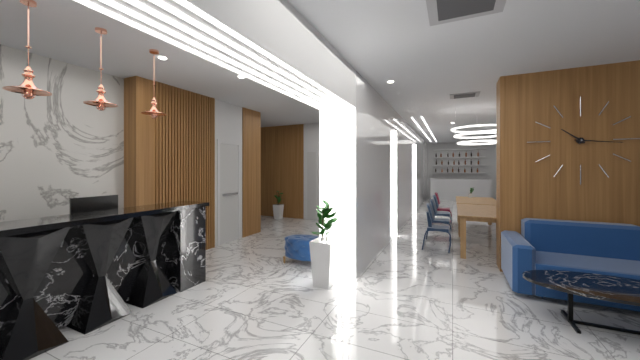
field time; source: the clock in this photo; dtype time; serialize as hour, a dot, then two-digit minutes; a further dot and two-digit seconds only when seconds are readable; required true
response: 10.16
